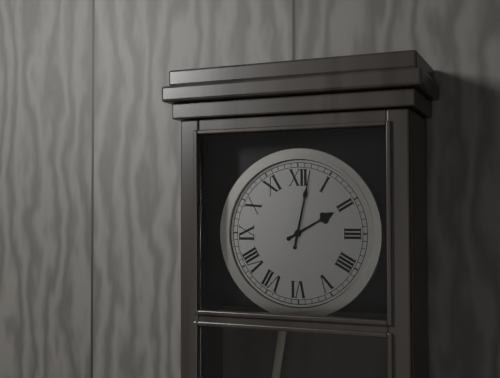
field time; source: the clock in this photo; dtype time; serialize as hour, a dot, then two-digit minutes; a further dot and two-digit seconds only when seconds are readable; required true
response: 2.02
